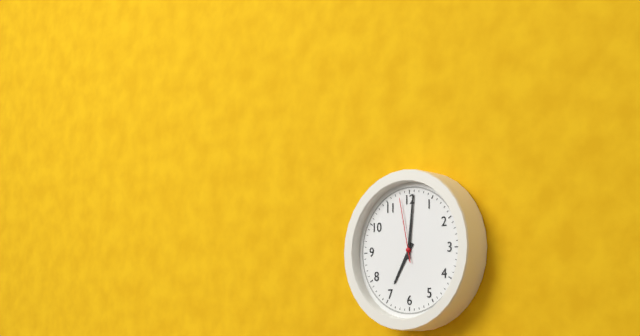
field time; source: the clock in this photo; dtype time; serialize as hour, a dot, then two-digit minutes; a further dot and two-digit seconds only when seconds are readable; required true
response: 7.01.58
